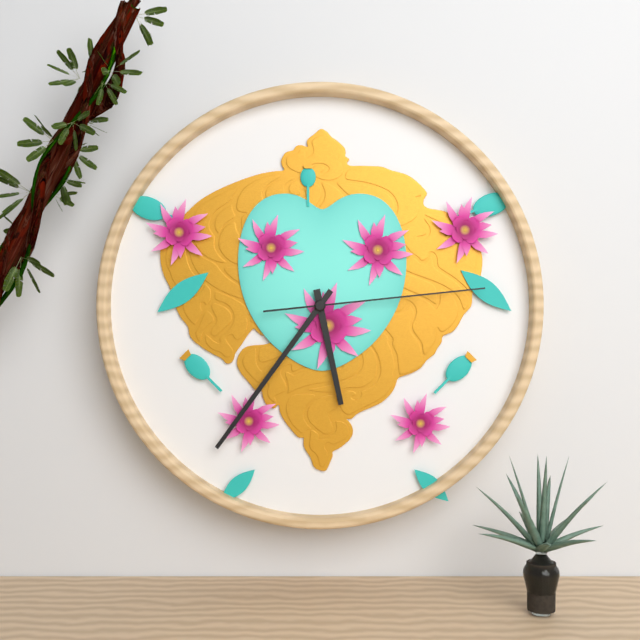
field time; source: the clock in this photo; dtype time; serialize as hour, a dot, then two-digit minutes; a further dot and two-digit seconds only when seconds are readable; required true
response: 5.36.14
